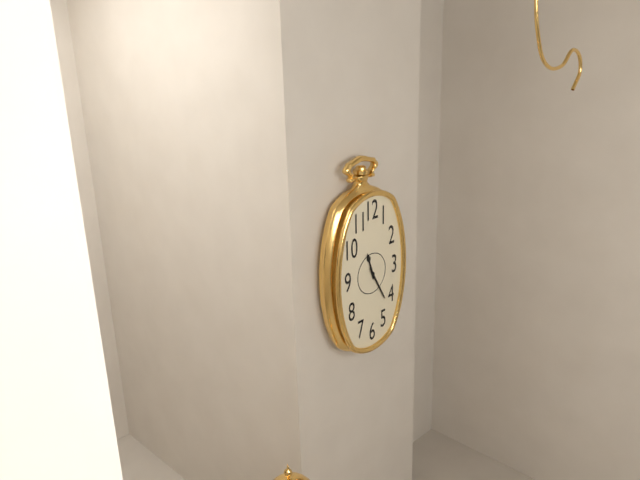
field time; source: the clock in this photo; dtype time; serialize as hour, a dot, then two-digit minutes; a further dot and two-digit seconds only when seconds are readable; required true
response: 11.25
